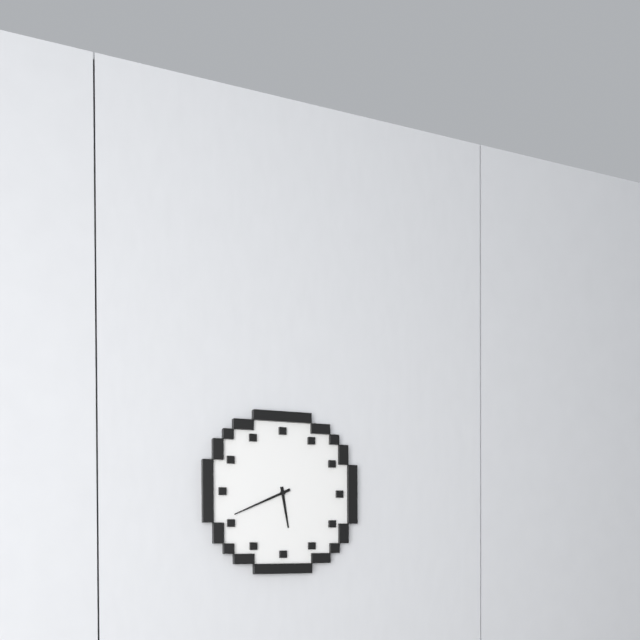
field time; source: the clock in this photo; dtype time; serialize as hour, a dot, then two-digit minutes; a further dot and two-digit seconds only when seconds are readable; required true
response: 5.41
